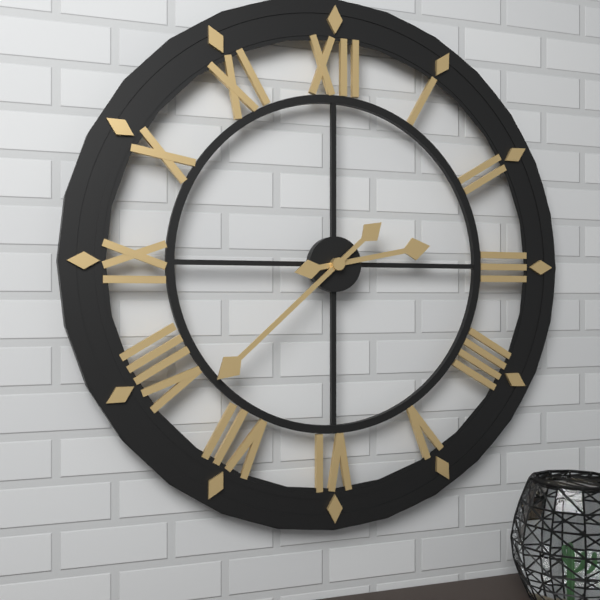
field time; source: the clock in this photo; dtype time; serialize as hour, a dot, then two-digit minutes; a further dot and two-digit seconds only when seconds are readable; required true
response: 2.38
